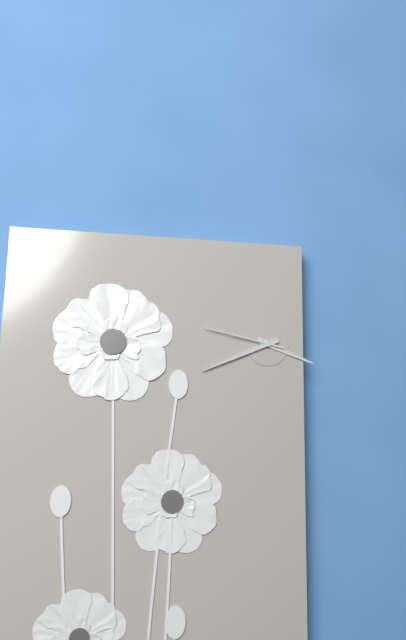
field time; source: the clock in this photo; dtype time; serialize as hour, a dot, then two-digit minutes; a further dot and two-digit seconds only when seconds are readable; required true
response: 3.41.47
